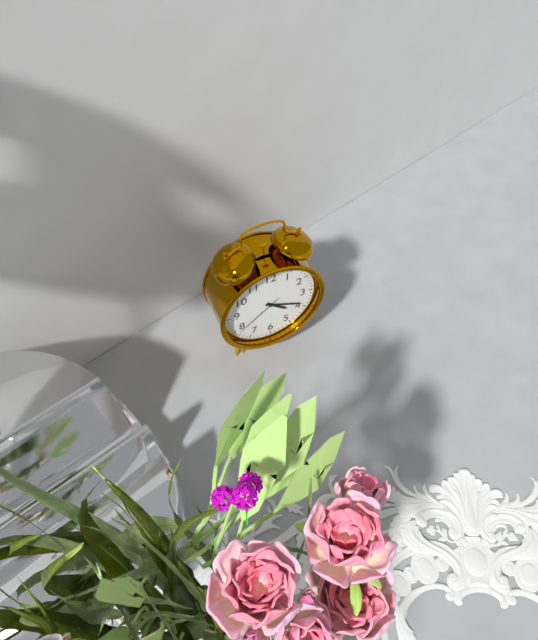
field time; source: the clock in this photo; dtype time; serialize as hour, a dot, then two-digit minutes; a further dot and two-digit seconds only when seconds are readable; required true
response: 4.19.39
